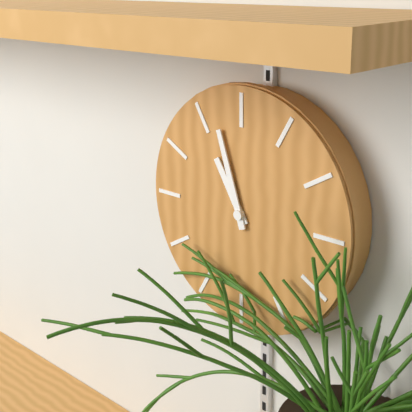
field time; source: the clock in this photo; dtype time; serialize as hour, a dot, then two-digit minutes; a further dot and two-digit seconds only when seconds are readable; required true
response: 10.57
